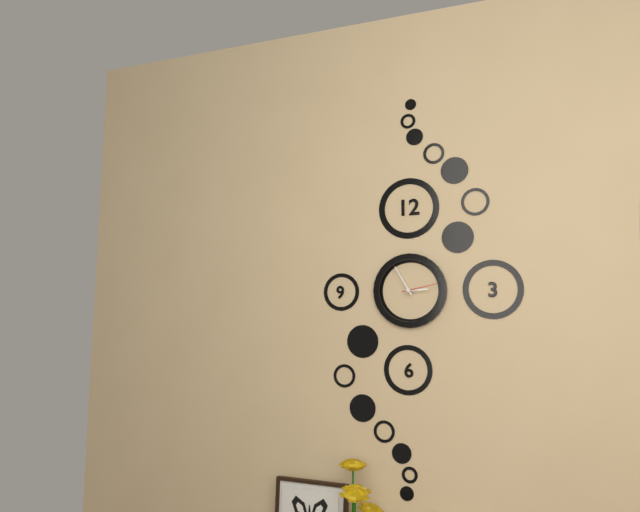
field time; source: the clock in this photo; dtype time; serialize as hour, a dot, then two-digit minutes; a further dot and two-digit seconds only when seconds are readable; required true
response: 2.55
